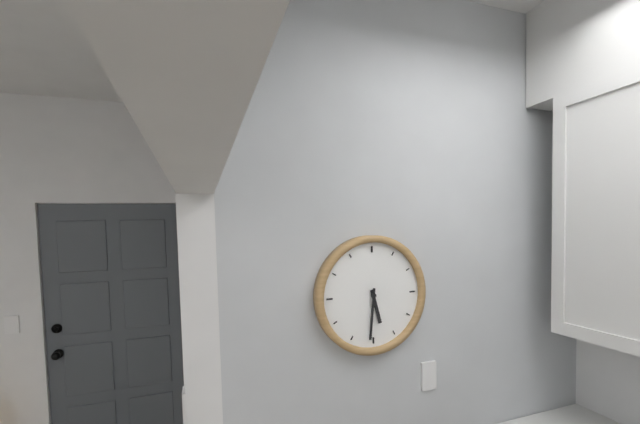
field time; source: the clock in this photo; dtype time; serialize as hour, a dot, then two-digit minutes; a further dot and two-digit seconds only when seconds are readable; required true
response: 5.31
